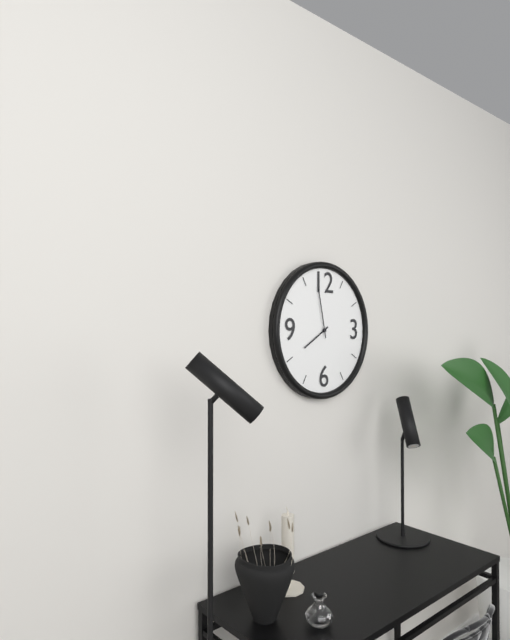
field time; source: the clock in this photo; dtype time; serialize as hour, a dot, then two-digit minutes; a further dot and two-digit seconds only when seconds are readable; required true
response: 7.58
